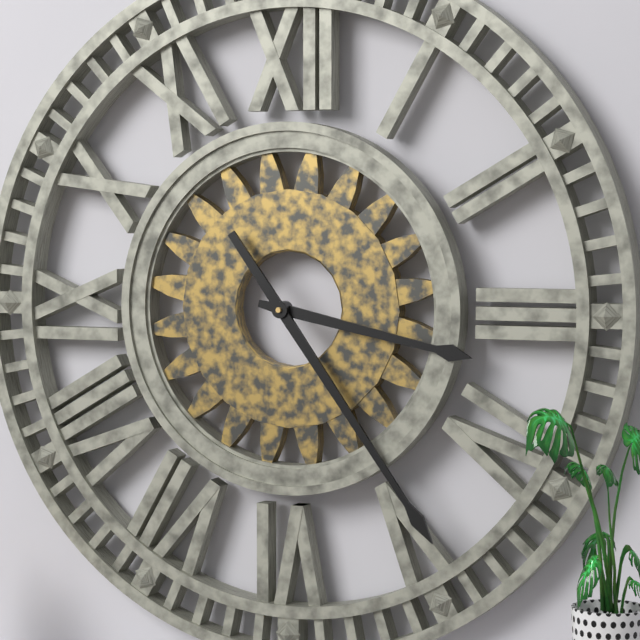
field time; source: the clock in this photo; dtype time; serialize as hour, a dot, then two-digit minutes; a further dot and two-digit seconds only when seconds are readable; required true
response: 3.24
